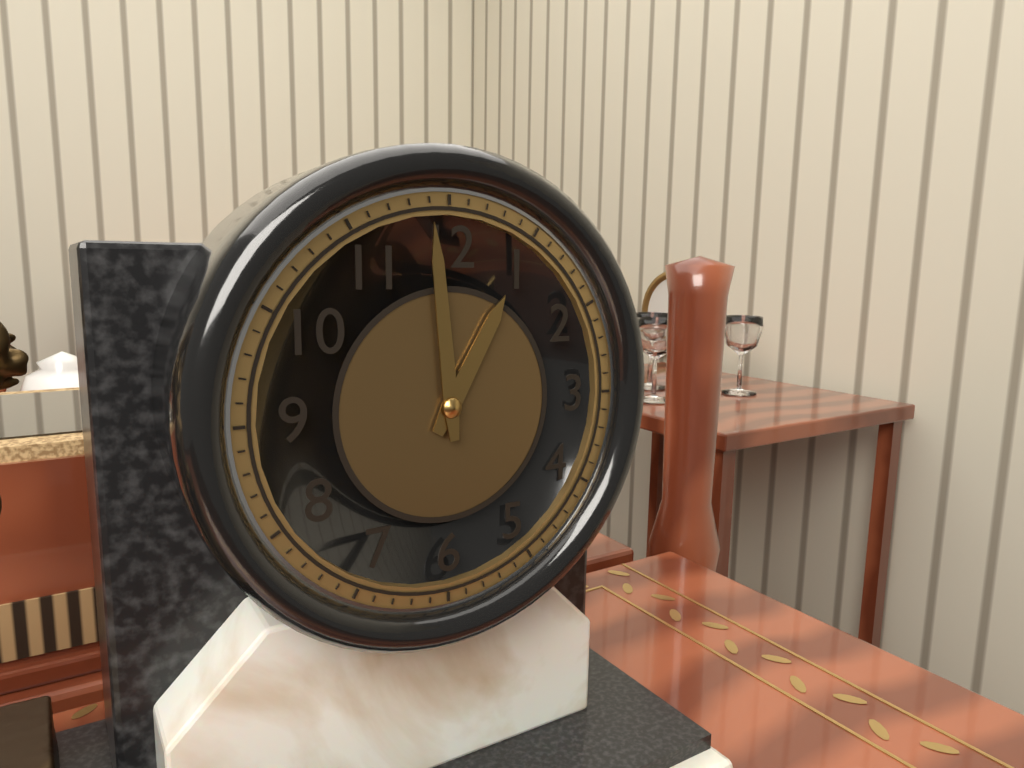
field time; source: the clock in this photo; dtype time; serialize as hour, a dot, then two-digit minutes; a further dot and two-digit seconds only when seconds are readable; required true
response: 12.59
